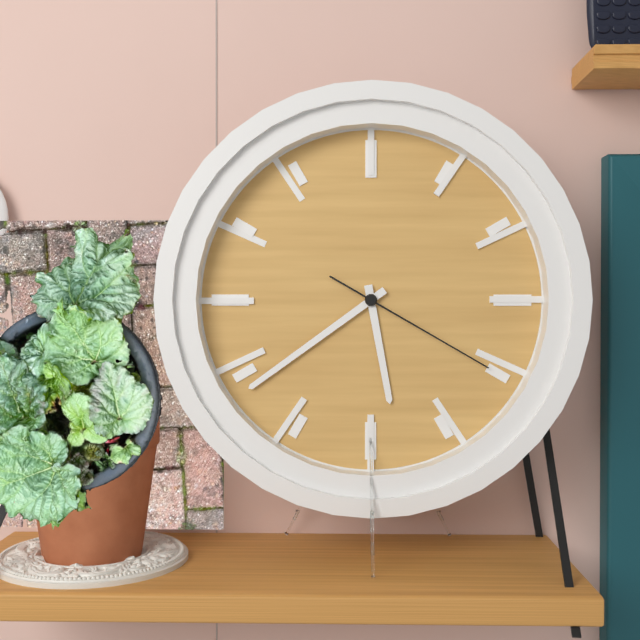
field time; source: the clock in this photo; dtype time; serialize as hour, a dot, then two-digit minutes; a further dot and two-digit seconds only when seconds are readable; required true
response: 5.39.20
